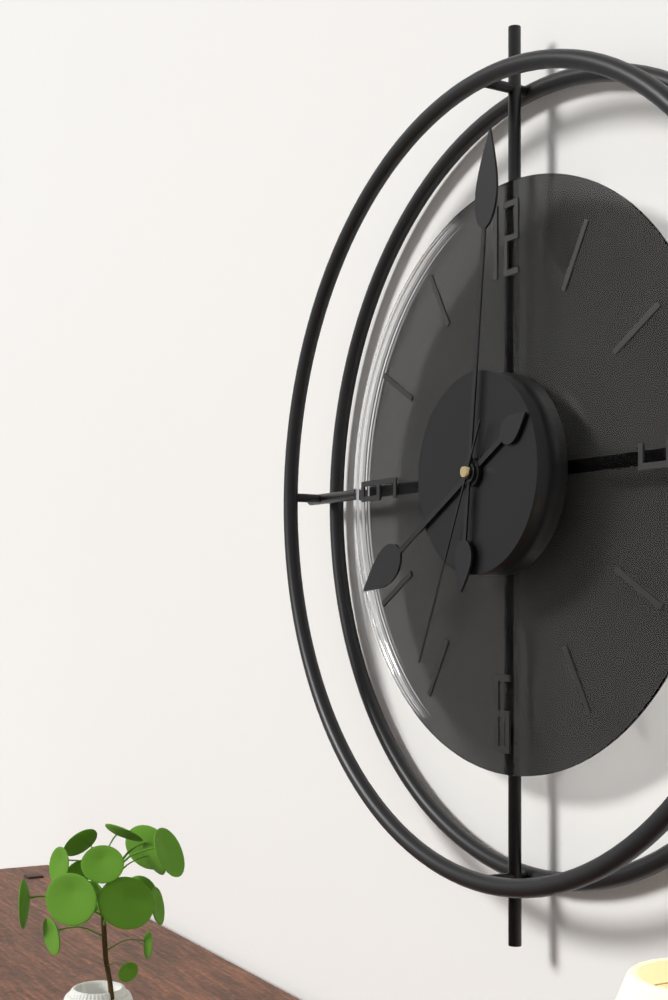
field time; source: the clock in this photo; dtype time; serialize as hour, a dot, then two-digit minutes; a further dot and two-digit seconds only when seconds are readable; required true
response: 8.01.34
